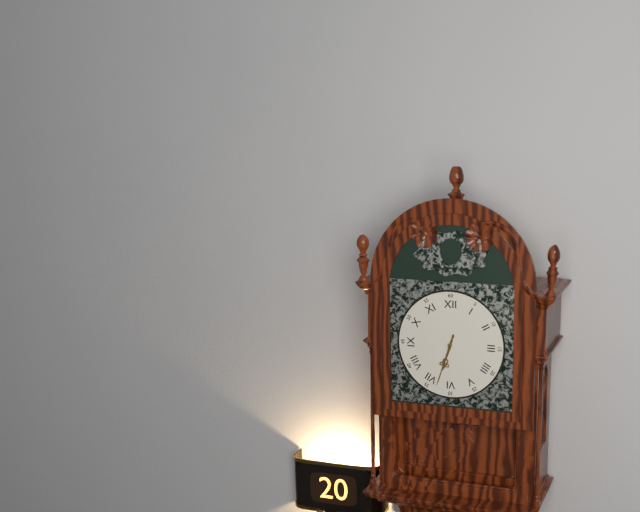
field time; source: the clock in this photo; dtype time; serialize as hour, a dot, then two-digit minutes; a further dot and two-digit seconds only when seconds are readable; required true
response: 6.33
